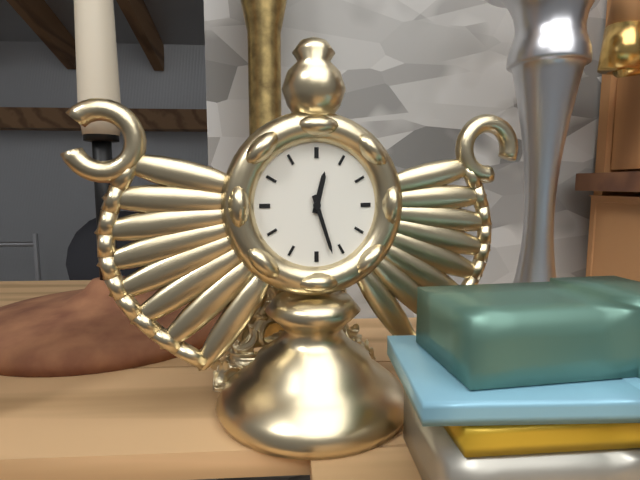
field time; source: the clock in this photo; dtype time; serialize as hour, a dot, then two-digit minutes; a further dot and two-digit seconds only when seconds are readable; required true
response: 12.27
